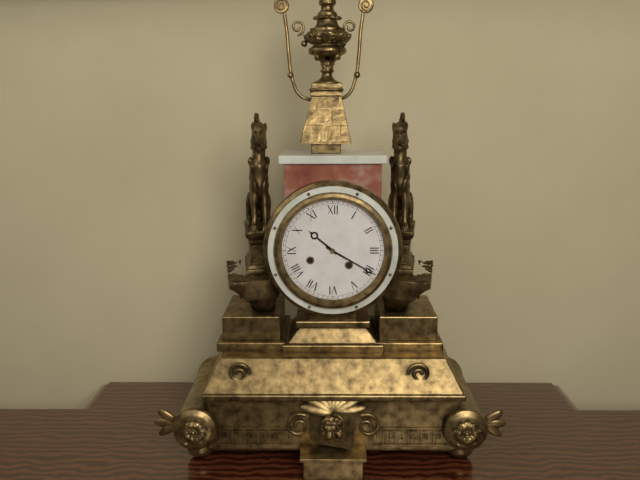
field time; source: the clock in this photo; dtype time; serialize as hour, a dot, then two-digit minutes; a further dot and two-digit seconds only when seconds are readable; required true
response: 10.20
